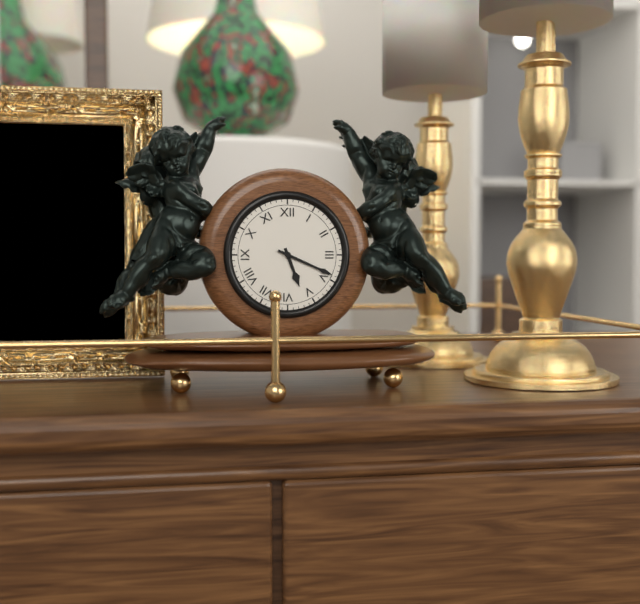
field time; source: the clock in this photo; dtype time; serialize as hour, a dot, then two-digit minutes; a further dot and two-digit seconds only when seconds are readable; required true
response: 5.19
